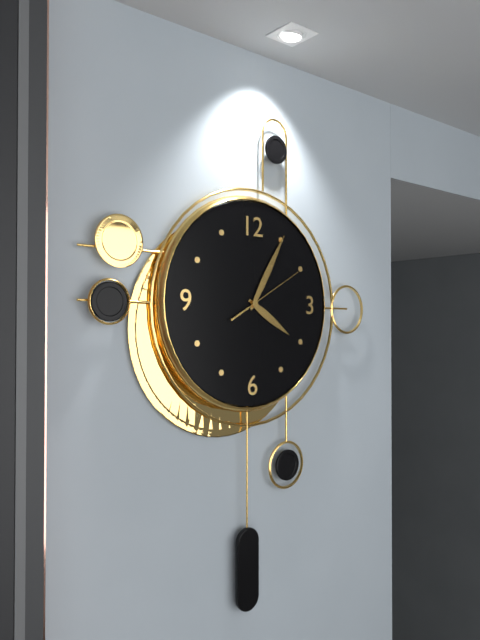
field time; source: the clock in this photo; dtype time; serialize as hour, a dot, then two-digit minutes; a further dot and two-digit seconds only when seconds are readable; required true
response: 4.05.10
